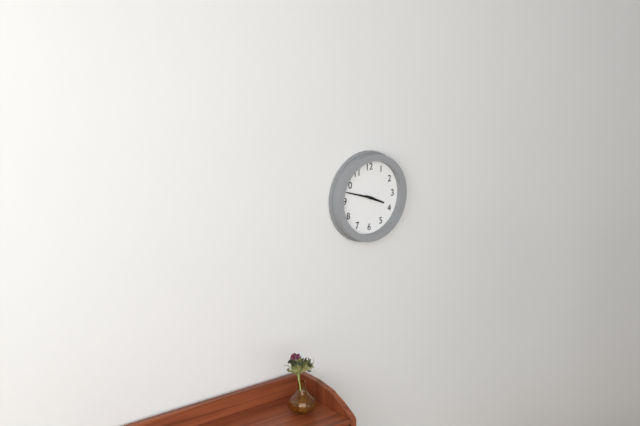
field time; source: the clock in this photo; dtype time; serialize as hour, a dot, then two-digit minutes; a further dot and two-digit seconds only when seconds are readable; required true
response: 3.48
